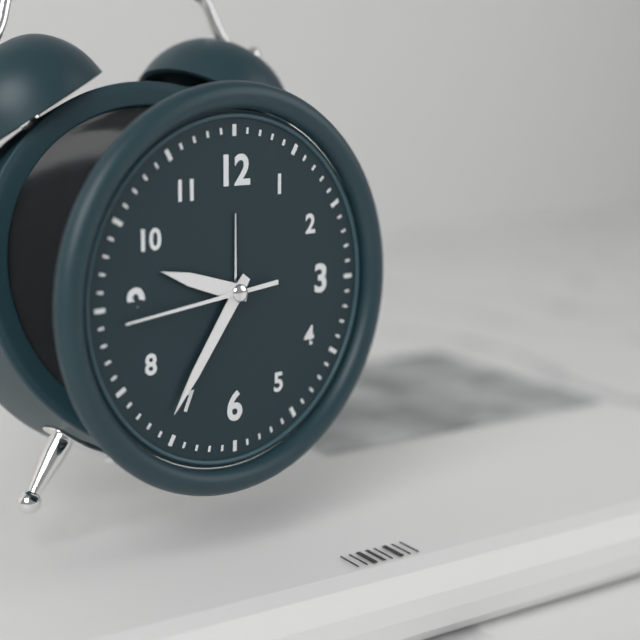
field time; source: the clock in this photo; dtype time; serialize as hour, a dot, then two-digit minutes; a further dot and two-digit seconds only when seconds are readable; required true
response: 9.36.44
